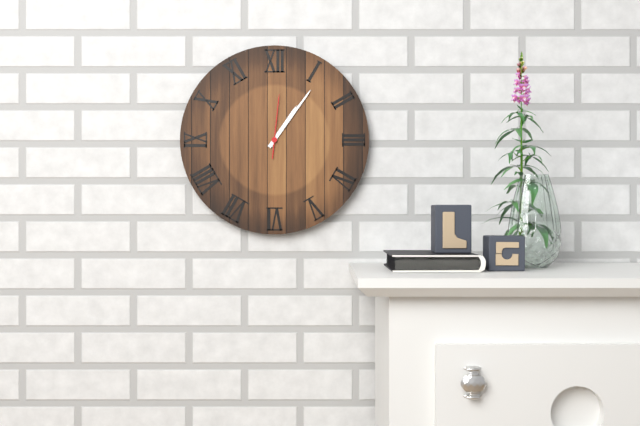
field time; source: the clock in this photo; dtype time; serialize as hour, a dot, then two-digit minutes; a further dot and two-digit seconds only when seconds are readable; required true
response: 1.06.01
